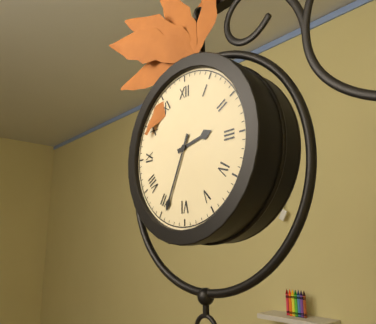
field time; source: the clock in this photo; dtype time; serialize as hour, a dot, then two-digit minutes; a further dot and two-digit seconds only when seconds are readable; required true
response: 2.34
